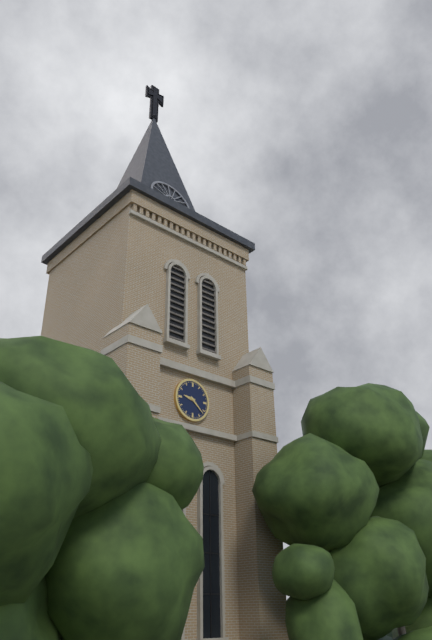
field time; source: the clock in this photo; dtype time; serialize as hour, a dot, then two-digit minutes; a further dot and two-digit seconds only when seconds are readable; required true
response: 9.22
